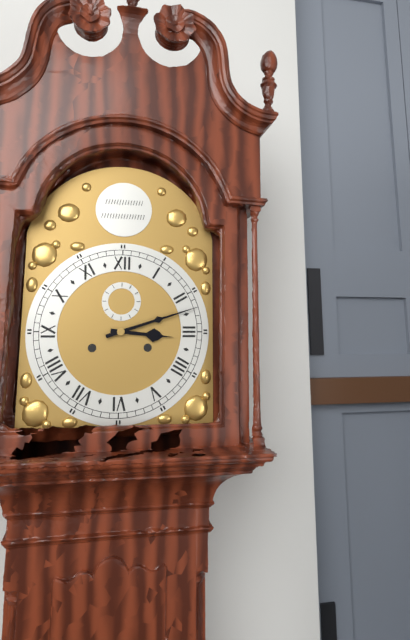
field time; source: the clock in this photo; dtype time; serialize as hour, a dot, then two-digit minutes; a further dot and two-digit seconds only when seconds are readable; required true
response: 3.12
